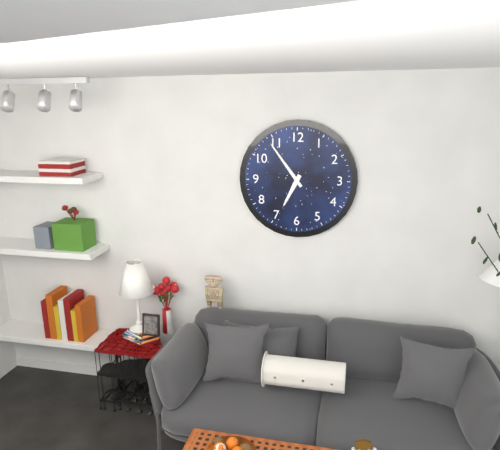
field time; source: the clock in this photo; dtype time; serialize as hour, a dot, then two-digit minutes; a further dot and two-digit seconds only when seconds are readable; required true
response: 6.54
